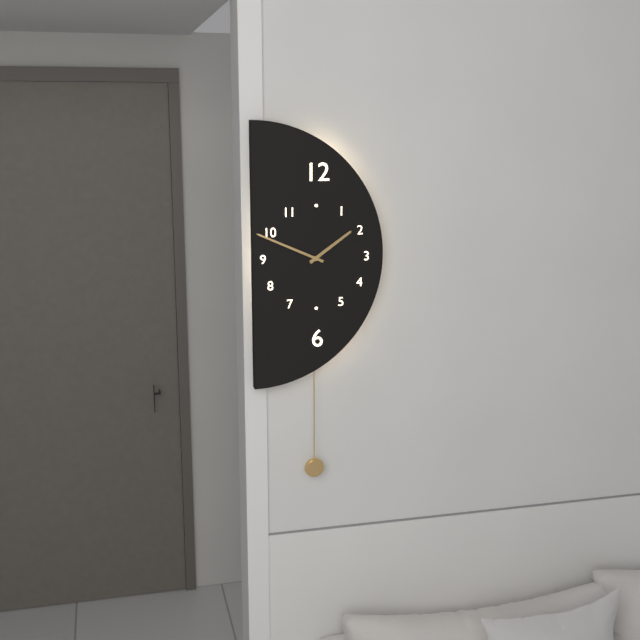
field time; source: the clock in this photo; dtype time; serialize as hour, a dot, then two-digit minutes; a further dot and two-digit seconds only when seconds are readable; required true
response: 1.49
